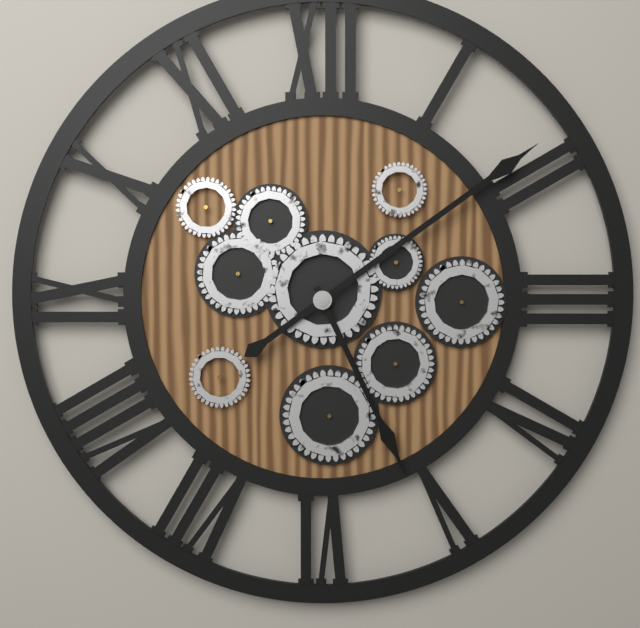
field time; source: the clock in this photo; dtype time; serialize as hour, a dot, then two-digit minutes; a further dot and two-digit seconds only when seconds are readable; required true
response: 5.09
